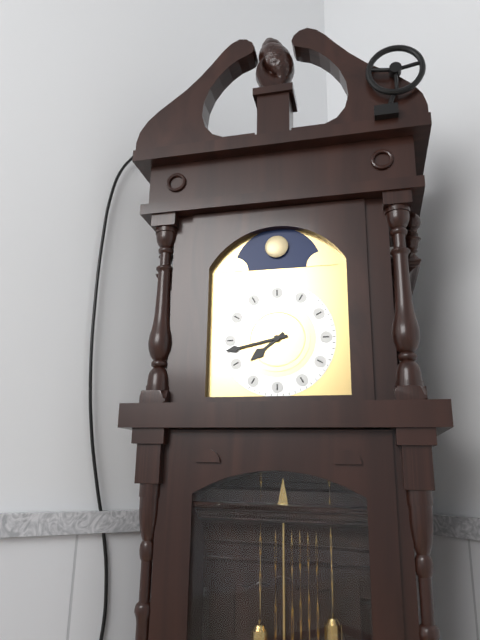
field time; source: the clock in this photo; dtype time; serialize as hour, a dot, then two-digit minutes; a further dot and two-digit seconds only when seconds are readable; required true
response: 7.43
